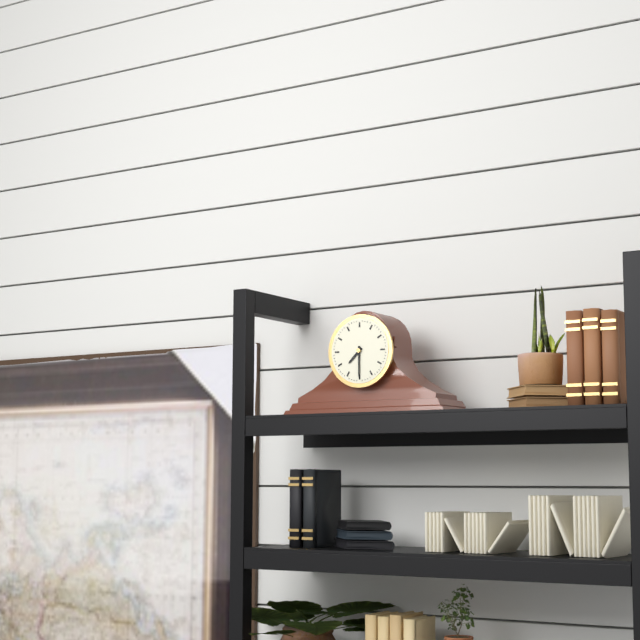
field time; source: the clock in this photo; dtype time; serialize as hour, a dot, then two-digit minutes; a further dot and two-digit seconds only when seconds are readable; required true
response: 7.30
